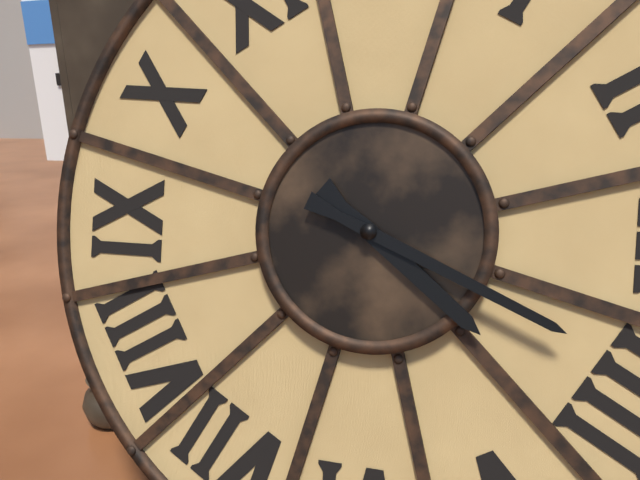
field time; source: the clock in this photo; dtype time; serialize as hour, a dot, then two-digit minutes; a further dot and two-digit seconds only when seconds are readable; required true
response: 4.19
